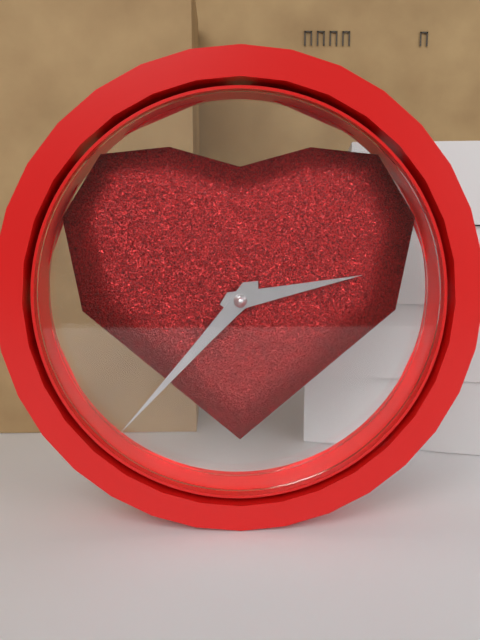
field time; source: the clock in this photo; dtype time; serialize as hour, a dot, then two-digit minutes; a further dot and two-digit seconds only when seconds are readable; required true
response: 2.37
